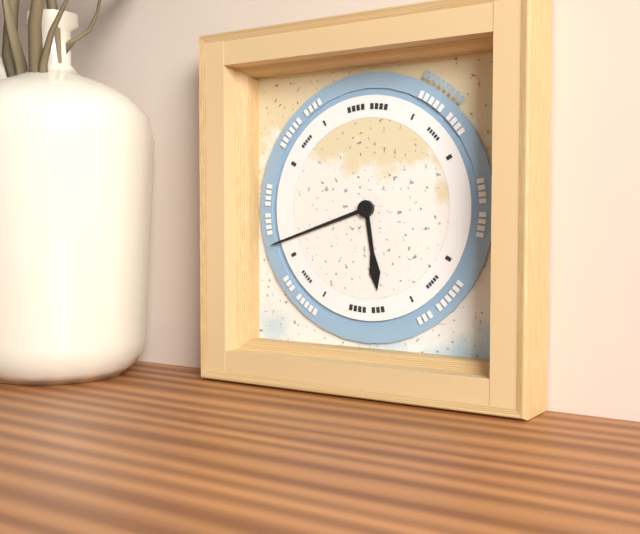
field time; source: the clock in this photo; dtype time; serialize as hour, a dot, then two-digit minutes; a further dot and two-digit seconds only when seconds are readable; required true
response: 5.42
